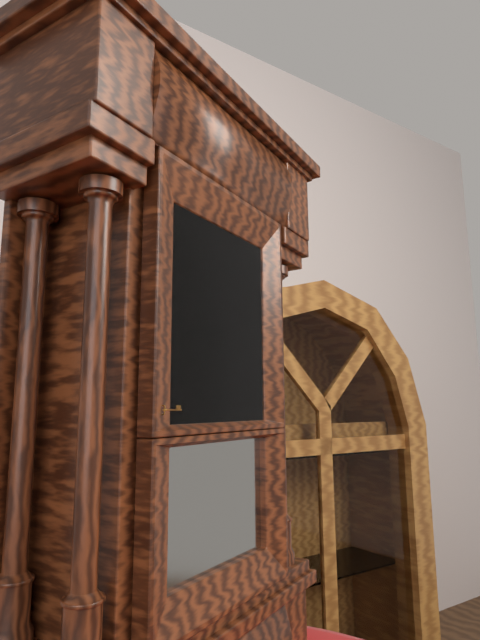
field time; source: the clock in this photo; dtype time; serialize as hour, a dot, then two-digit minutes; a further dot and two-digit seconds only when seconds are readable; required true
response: 6.27
